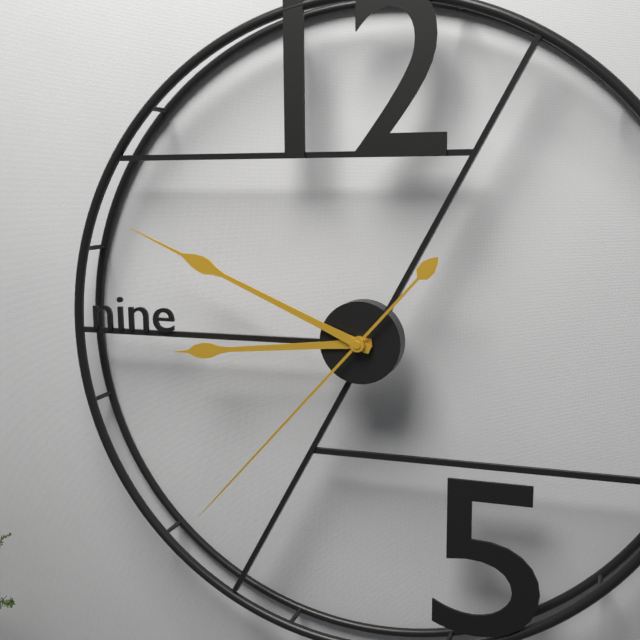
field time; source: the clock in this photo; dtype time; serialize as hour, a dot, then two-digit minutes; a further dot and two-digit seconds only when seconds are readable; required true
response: 8.49.37
